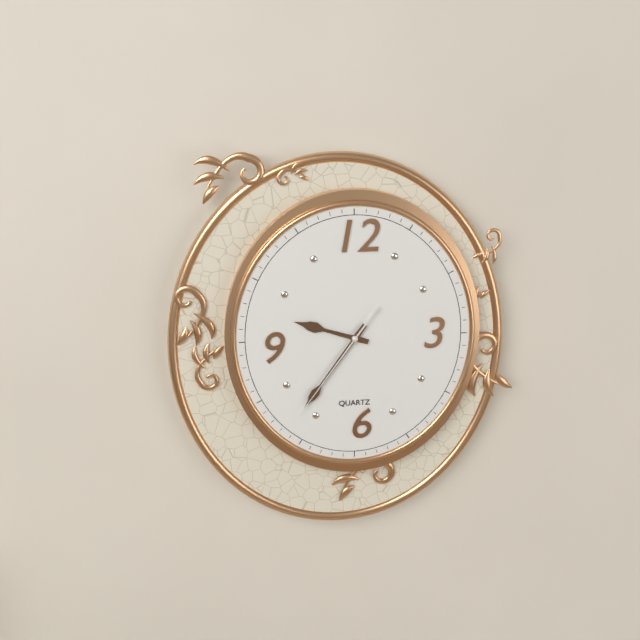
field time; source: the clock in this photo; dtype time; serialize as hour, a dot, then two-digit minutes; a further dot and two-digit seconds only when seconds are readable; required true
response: 9.36.36
